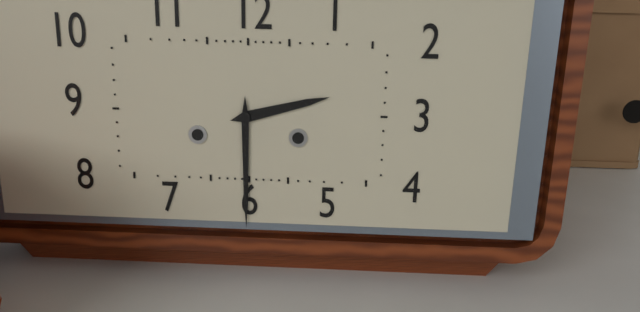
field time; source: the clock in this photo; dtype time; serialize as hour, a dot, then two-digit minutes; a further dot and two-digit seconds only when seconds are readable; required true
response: 2.30
